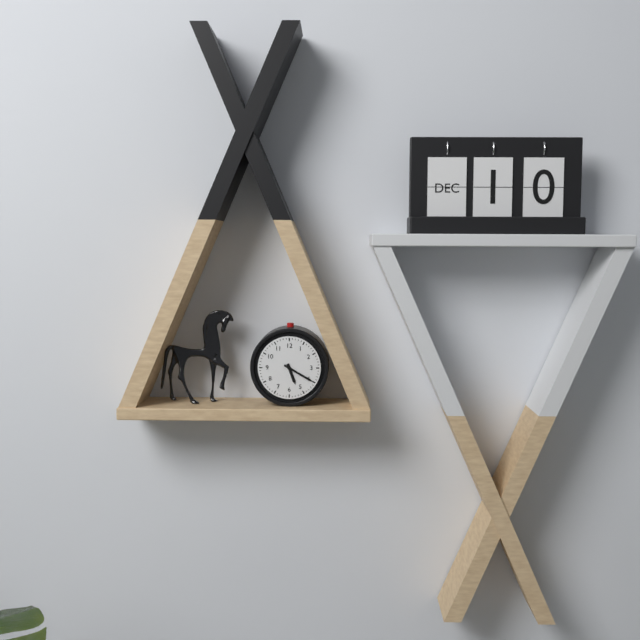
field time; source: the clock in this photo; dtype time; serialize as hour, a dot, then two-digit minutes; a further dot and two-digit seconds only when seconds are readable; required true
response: 5.20
